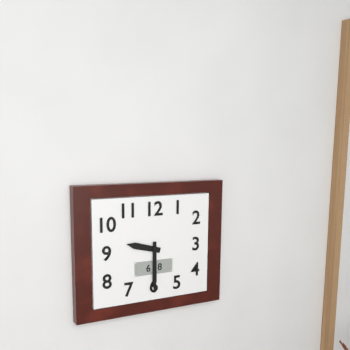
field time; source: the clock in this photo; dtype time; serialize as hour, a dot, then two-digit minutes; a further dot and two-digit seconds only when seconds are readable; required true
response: 9.30
